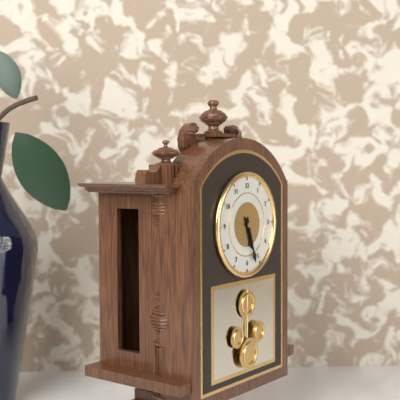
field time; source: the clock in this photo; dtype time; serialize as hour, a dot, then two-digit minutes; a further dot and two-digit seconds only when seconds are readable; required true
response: 5.27
